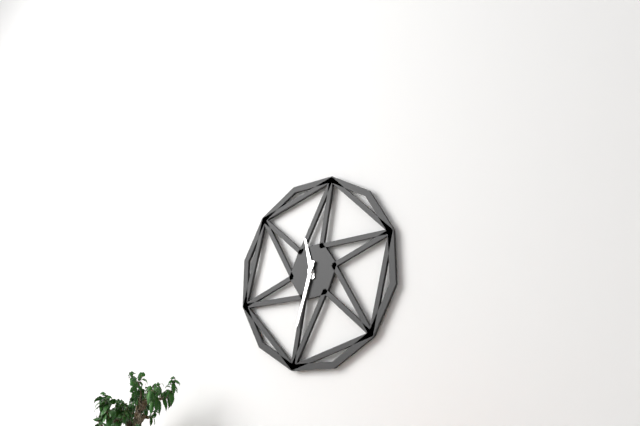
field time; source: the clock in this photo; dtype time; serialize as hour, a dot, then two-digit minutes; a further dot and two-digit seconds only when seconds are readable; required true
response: 11.33
